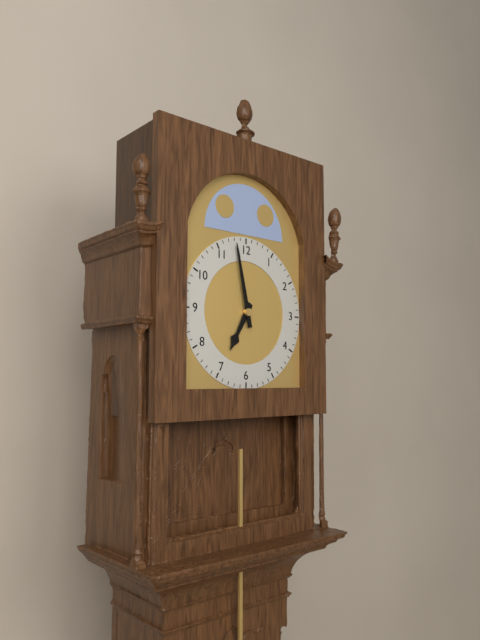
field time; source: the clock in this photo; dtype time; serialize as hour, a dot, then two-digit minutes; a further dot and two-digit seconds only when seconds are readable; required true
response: 6.58
